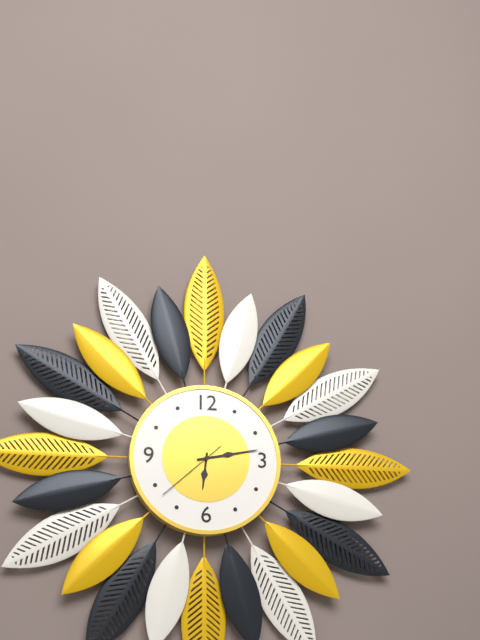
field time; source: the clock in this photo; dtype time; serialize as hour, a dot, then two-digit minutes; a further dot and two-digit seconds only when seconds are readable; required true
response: 6.13.38
